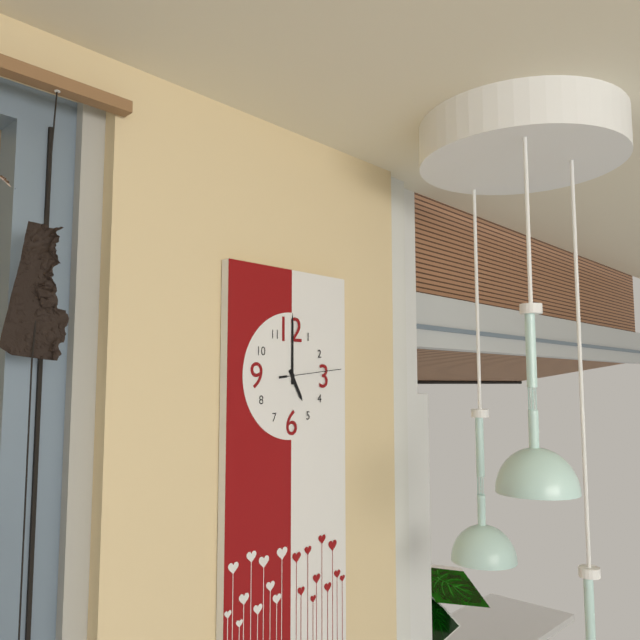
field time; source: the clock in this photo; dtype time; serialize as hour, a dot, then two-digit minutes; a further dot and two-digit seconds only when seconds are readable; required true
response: 5.00.14
